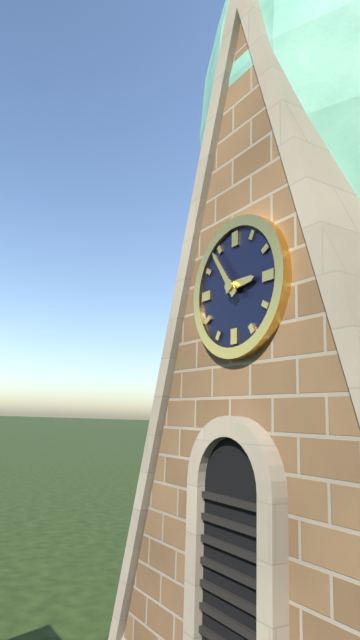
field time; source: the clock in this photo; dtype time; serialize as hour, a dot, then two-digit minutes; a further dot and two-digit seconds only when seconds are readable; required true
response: 2.54
